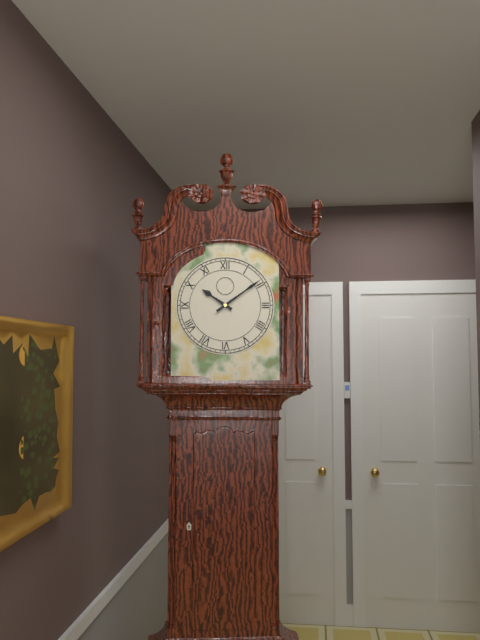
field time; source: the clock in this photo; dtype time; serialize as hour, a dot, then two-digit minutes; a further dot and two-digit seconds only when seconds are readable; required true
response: 10.09
